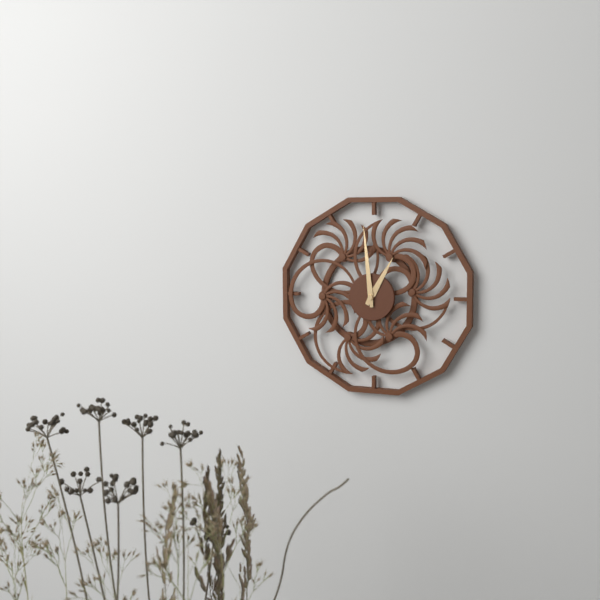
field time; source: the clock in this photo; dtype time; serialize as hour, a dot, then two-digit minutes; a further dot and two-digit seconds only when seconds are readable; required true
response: 12.59
